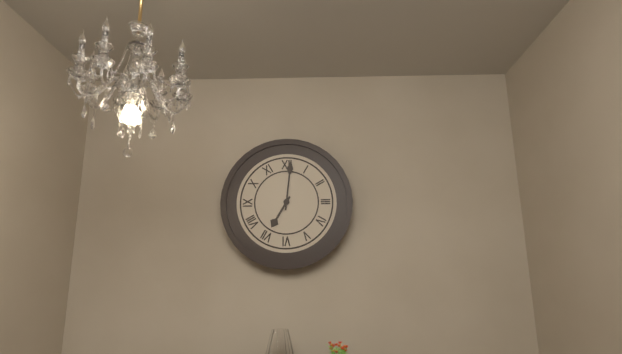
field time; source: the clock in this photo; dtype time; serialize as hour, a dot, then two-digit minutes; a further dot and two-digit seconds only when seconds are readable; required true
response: 7.01
